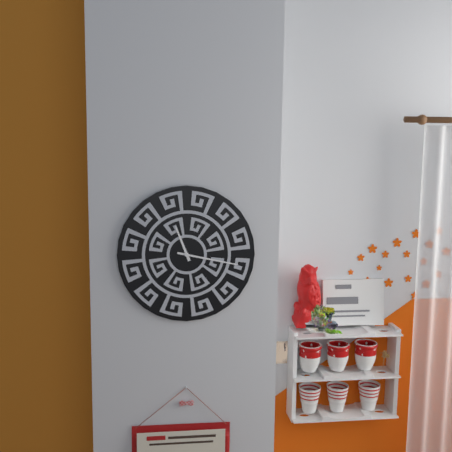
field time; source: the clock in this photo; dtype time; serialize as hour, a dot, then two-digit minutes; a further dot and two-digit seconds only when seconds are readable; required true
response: 11.17
